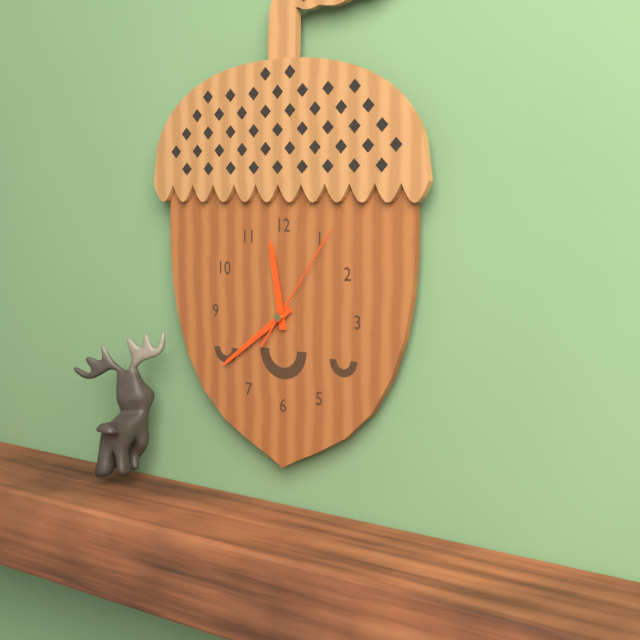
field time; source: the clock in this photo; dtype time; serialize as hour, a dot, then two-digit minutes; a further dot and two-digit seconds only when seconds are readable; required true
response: 11.39.06
